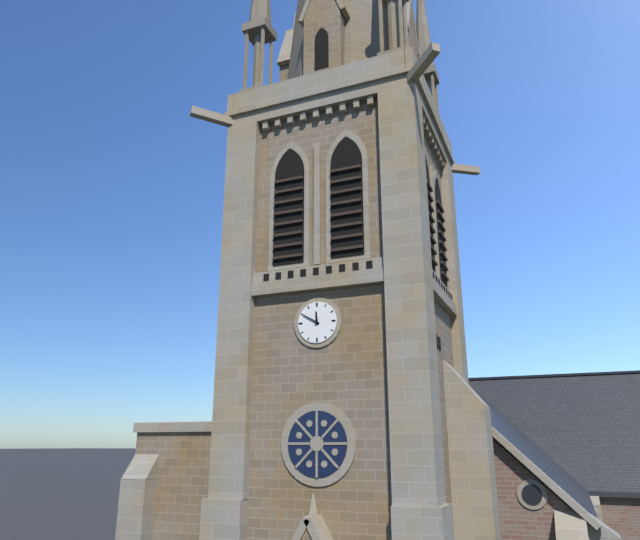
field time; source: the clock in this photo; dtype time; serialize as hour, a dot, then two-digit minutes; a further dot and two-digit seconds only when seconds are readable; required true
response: 11.50
